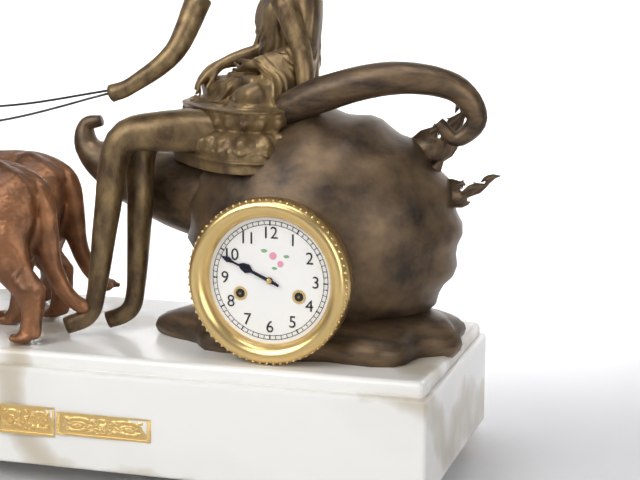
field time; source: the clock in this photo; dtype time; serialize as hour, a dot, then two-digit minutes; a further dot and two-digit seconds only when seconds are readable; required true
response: 9.49
